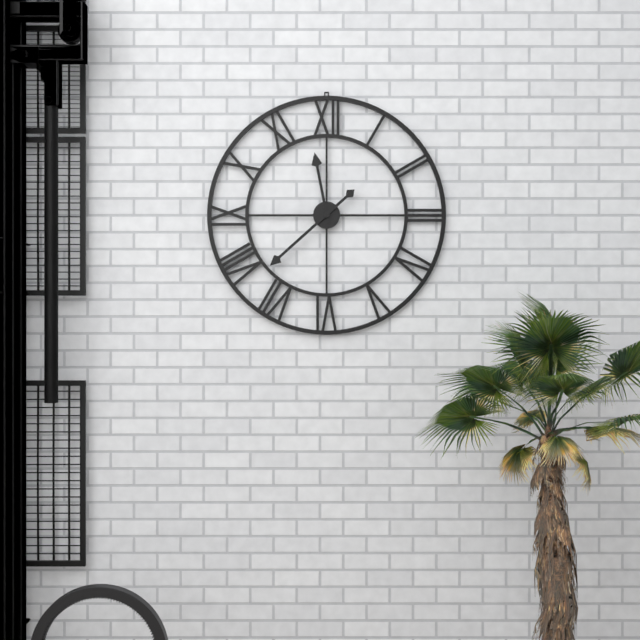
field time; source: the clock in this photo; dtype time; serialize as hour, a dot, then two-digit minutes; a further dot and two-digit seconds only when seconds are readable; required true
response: 11.38
